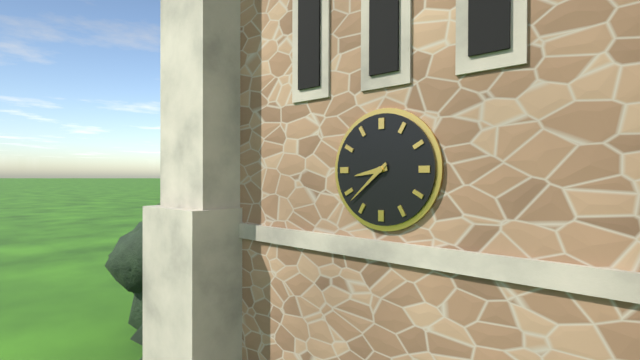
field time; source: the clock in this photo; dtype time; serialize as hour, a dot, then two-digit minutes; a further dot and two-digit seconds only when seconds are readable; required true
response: 8.38
